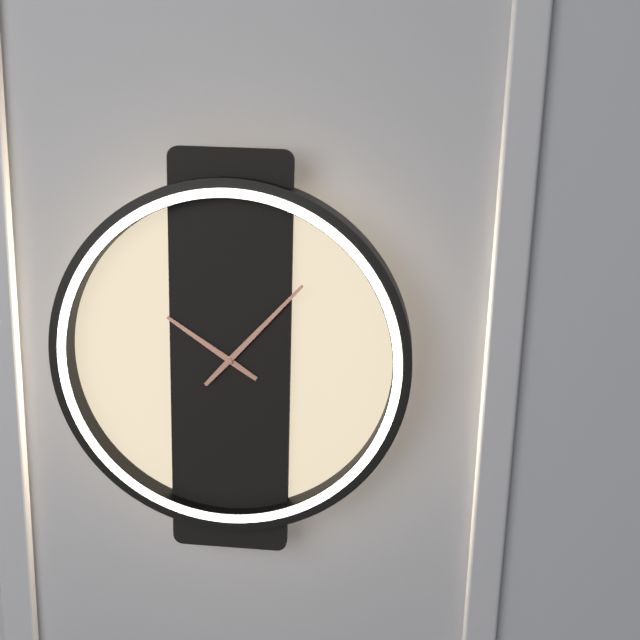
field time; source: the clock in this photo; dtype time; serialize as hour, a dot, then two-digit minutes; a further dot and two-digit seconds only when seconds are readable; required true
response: 10.07
